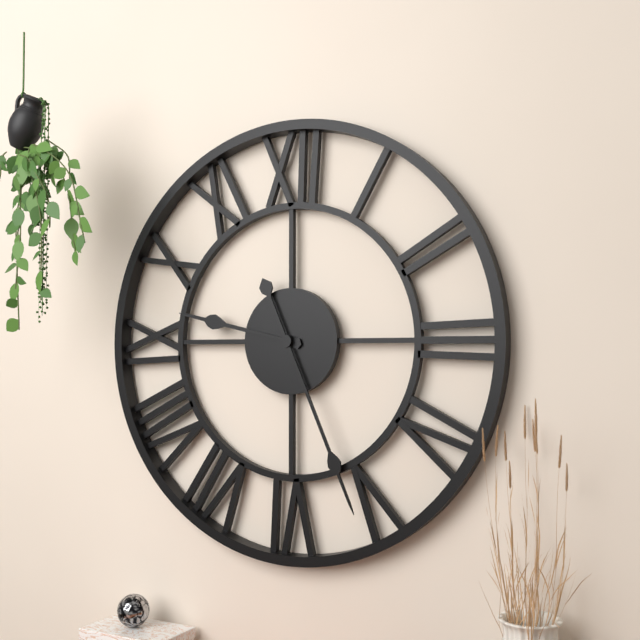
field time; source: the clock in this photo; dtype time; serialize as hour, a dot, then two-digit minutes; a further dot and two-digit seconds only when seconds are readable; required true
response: 9.26
